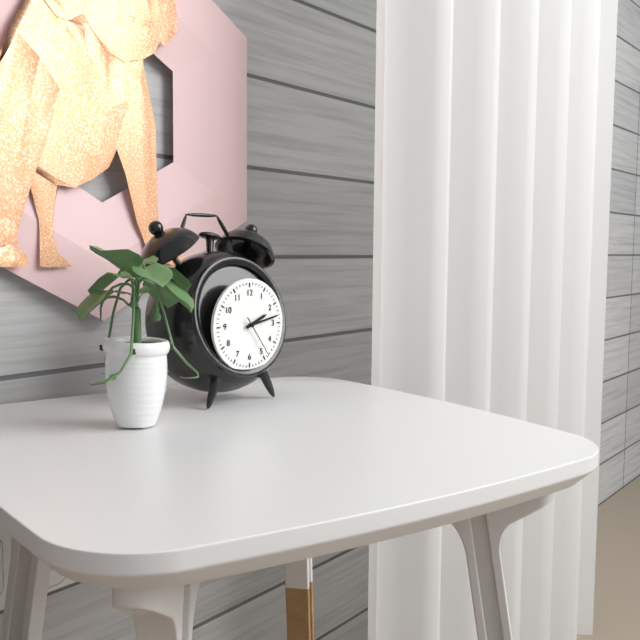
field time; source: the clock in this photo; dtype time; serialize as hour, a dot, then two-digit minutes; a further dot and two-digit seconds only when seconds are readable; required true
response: 2.13
